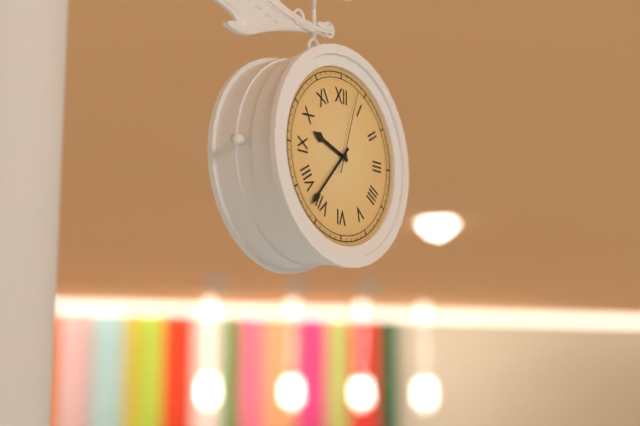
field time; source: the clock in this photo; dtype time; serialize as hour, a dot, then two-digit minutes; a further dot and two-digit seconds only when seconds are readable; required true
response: 9.37.03
